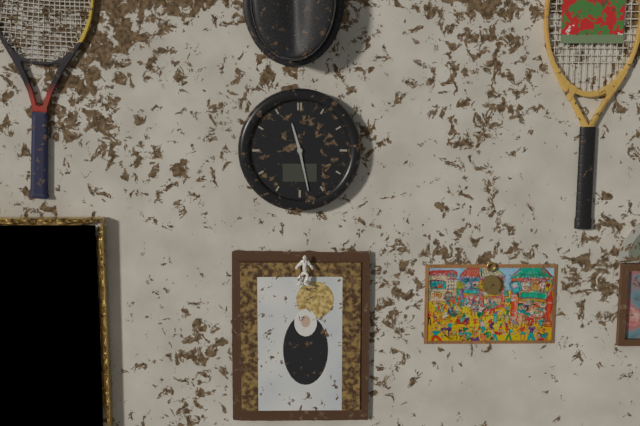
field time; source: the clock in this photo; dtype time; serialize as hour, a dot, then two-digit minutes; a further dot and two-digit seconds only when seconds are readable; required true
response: 11.28
